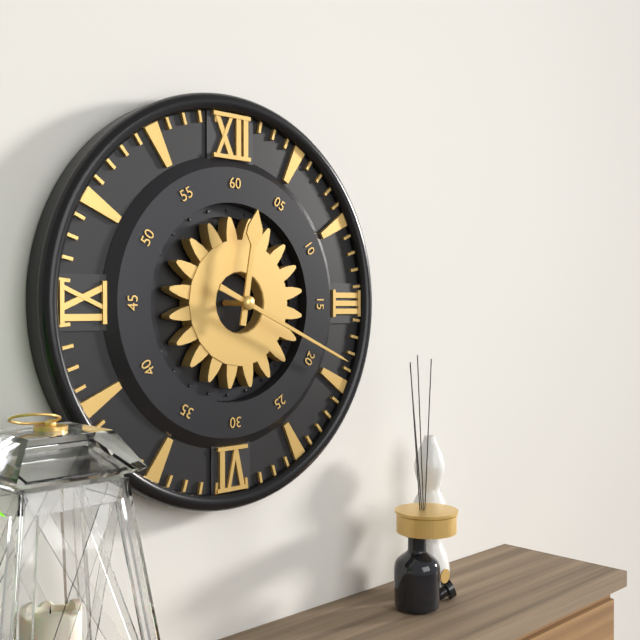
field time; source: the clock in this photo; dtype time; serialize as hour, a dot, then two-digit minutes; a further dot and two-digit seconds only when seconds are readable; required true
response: 12.19
